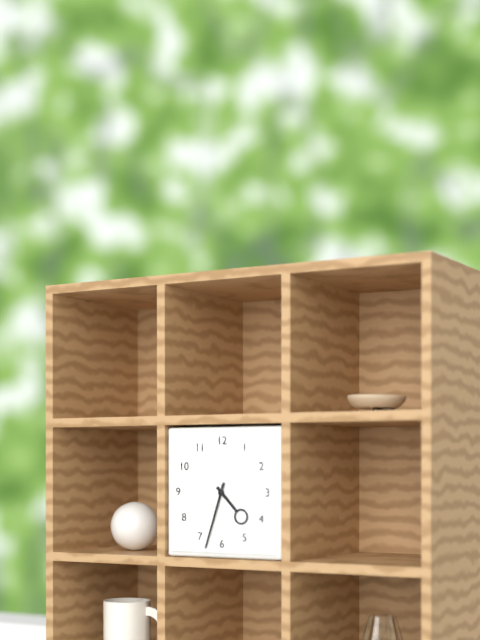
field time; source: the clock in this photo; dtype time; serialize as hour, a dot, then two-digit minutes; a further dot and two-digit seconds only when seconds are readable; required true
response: 4.33
